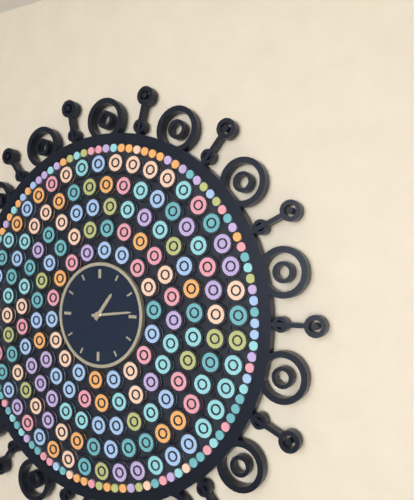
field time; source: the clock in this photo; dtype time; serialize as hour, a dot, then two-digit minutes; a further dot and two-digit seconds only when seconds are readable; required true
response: 1.14
